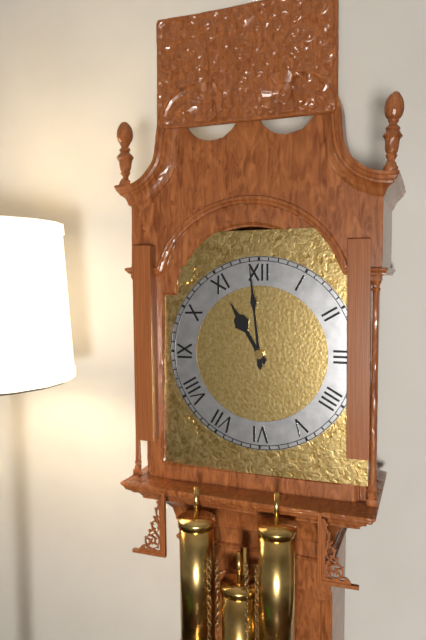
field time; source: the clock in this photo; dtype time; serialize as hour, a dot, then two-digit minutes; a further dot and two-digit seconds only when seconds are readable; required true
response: 10.59
